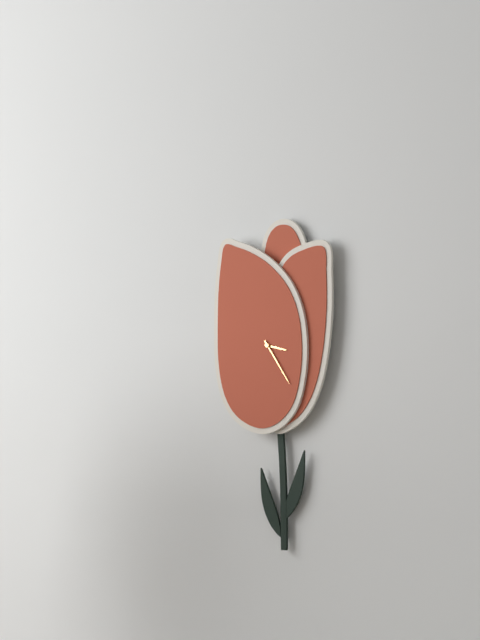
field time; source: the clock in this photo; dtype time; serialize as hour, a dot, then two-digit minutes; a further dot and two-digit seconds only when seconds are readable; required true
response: 3.24
